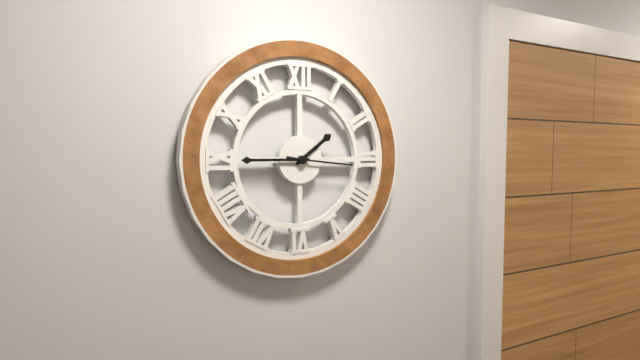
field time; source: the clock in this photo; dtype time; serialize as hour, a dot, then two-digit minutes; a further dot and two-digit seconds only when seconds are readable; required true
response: 1.45.16
